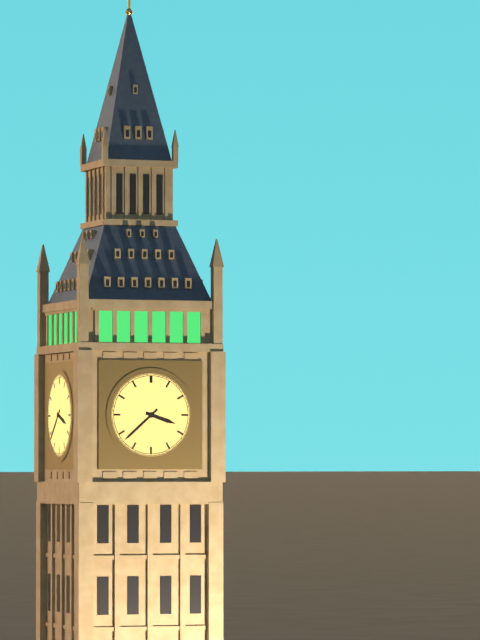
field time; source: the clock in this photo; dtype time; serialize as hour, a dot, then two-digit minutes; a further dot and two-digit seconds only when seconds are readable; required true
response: 3.38
